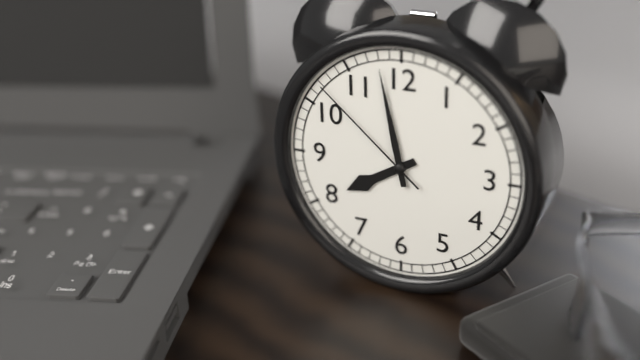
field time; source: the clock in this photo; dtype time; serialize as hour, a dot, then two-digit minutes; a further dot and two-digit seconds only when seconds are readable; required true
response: 7.58.52
